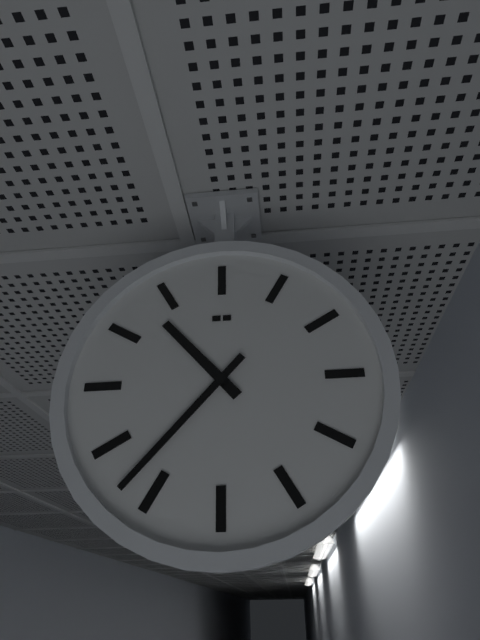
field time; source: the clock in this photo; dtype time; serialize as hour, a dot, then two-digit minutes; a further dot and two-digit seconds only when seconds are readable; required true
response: 10.37
